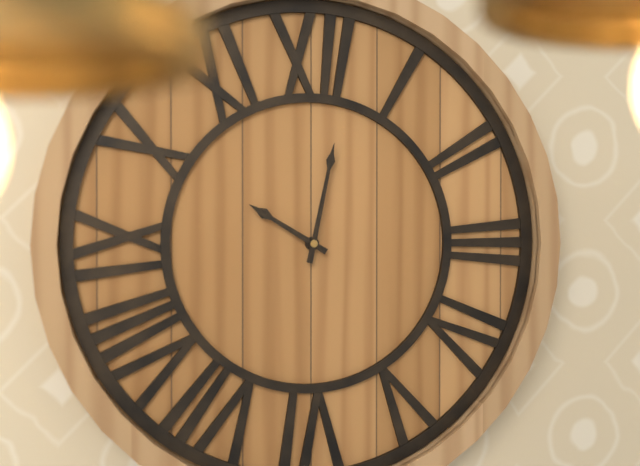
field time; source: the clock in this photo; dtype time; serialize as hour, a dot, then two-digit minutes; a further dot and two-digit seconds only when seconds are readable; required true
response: 10.02
